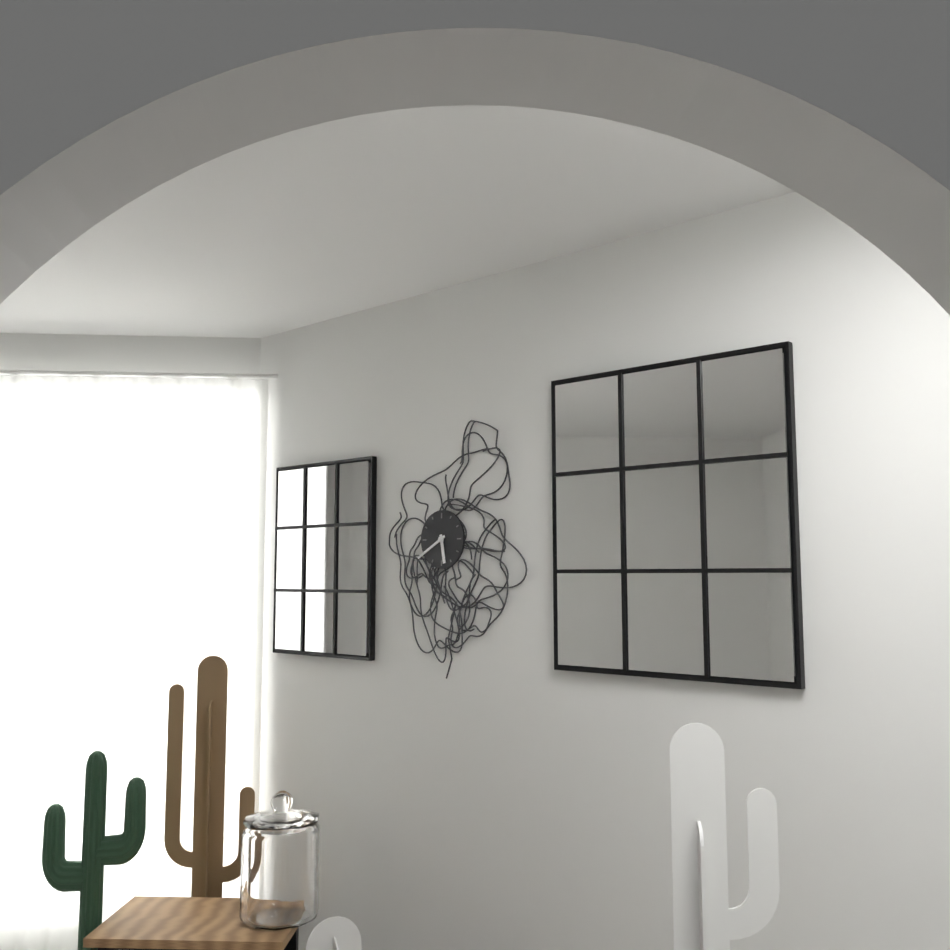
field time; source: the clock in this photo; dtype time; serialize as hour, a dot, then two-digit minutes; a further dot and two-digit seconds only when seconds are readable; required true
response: 5.40
